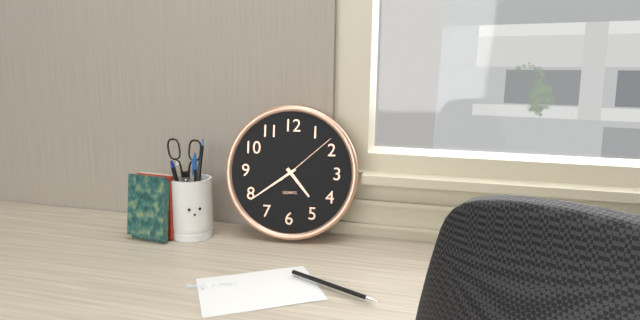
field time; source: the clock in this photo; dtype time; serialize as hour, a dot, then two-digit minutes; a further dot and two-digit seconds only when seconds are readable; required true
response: 4.39.08
